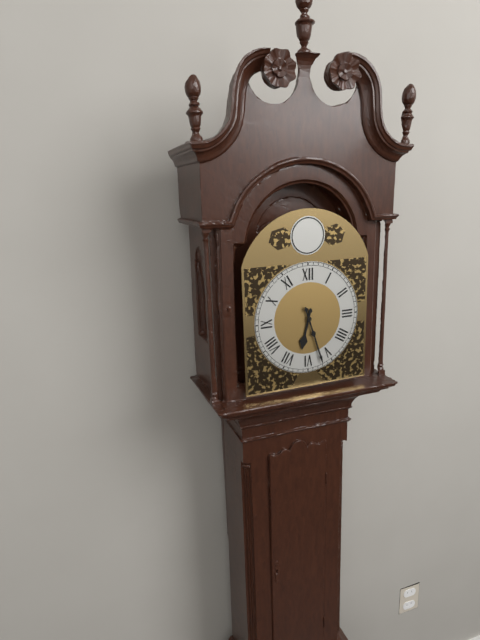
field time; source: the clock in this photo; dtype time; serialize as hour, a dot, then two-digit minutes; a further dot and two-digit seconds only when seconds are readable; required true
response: 6.27
